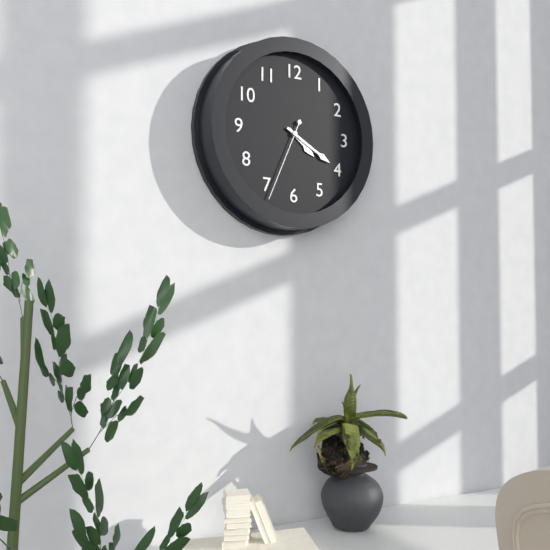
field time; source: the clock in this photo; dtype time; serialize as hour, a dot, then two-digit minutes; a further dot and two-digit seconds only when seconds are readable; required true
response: 4.20.34
